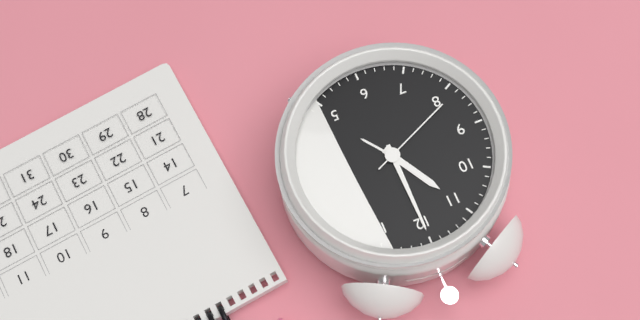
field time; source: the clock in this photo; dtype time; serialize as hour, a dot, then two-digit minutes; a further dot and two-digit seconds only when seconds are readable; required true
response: 11.00.41
